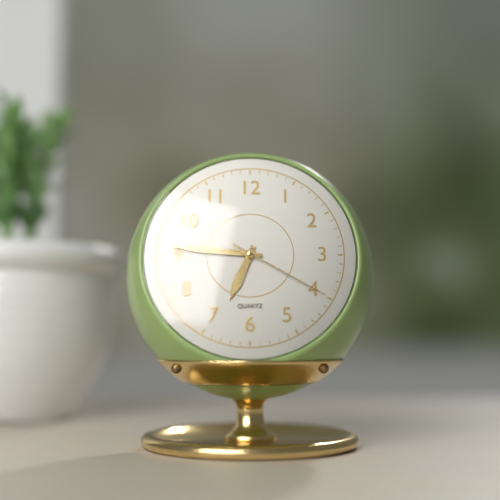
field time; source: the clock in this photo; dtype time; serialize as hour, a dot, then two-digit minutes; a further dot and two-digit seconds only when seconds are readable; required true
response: 6.46.20
